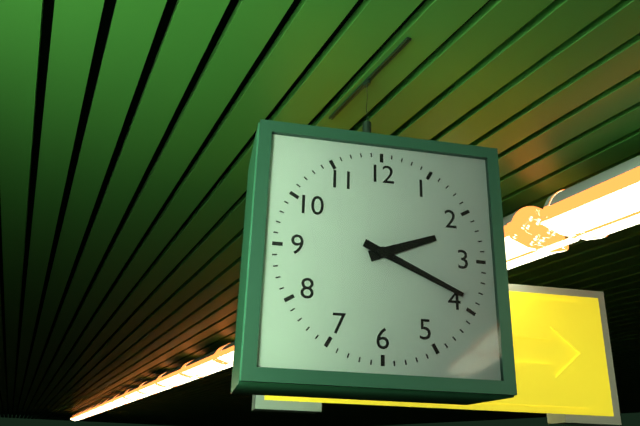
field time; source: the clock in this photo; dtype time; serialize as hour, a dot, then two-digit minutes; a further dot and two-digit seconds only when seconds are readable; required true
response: 2.19
